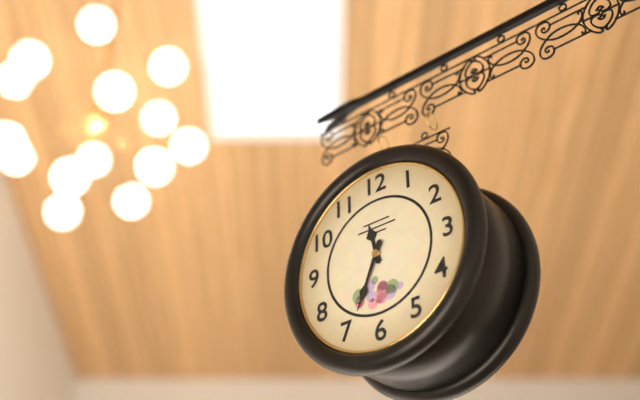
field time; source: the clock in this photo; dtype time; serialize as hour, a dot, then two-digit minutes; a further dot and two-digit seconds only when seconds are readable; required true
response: 11.34
